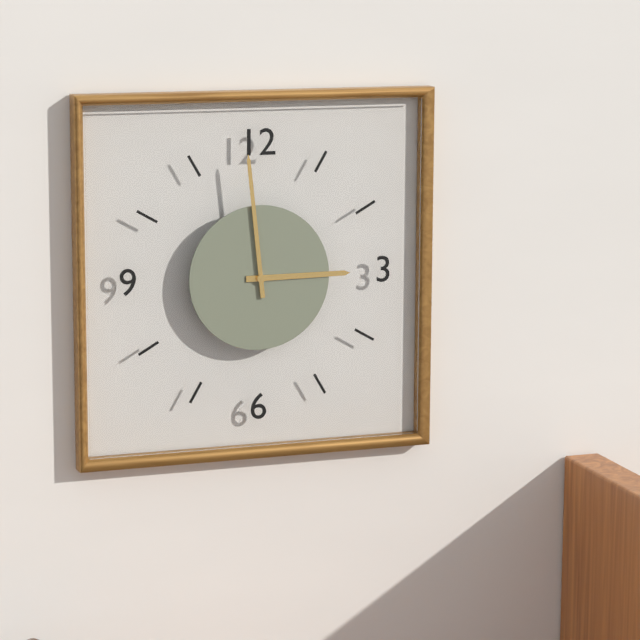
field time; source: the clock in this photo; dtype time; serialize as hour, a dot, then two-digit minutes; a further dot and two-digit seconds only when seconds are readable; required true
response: 2.59
